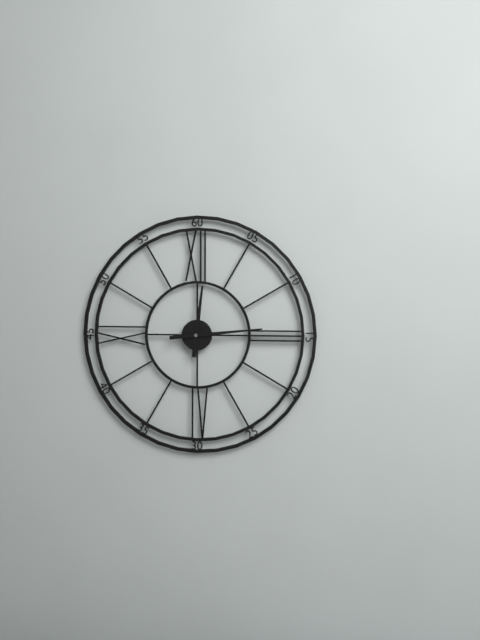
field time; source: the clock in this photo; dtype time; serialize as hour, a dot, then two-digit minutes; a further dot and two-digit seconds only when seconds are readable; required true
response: 12.14
